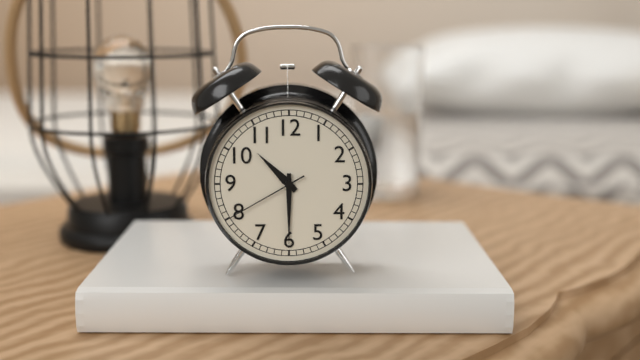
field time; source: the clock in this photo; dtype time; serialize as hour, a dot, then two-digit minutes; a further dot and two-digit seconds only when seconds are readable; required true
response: 10.30.40
